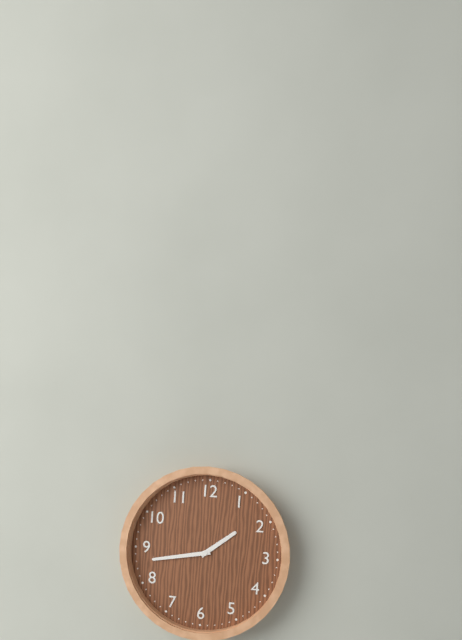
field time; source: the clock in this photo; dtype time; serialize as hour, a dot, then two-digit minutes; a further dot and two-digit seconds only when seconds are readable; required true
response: 1.43
